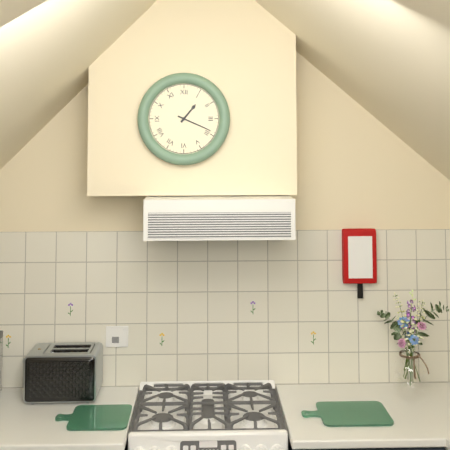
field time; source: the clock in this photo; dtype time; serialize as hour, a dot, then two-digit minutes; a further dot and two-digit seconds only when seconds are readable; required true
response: 1.19
